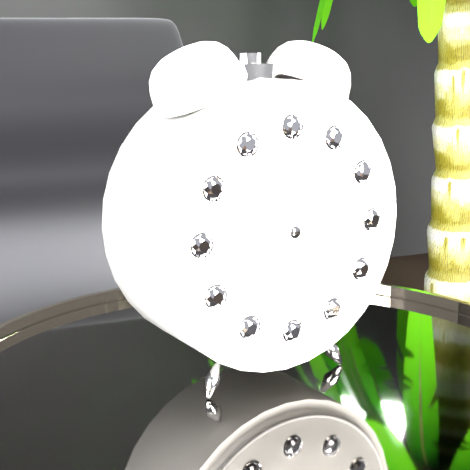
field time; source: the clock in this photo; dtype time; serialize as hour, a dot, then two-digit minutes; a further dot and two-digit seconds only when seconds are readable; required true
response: 10.50.18
